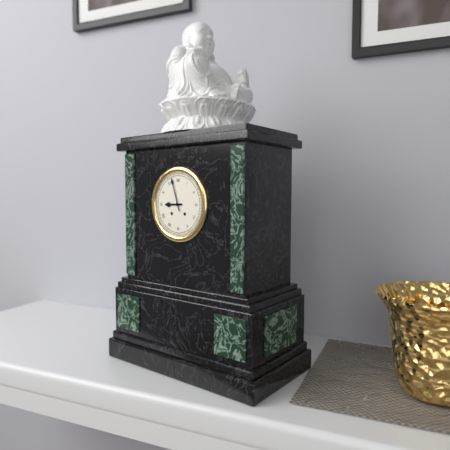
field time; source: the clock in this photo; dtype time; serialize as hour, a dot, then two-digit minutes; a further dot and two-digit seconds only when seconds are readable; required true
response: 8.57
